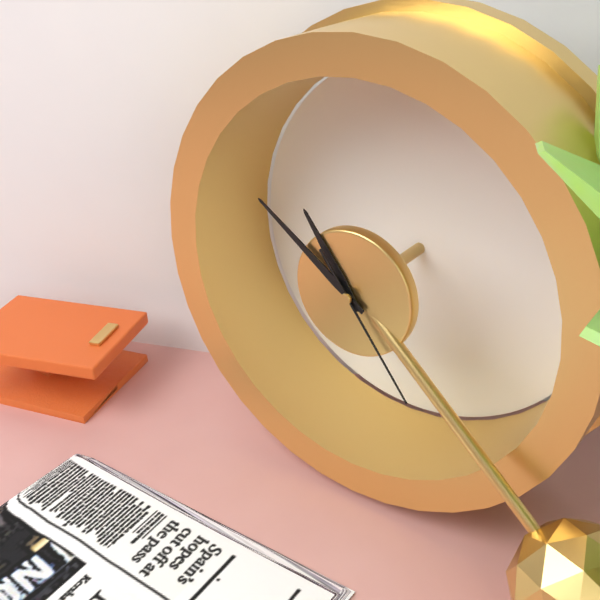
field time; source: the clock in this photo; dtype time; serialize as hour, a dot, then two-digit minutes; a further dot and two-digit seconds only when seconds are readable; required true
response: 10.51.24
